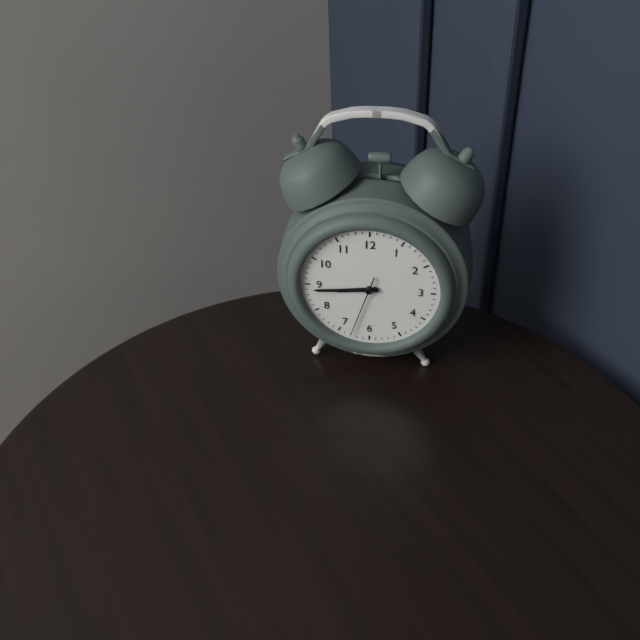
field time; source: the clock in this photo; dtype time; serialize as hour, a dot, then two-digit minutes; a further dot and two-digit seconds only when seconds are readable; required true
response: 8.44.33
